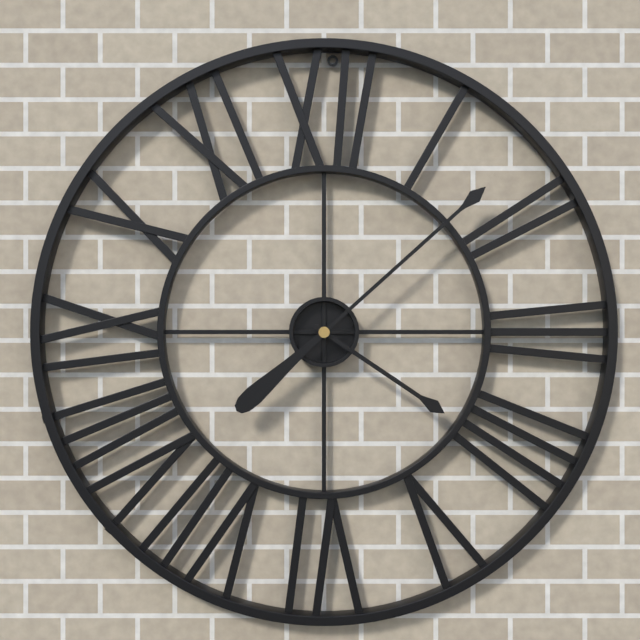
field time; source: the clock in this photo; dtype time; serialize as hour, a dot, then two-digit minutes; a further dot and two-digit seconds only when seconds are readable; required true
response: 4.08
